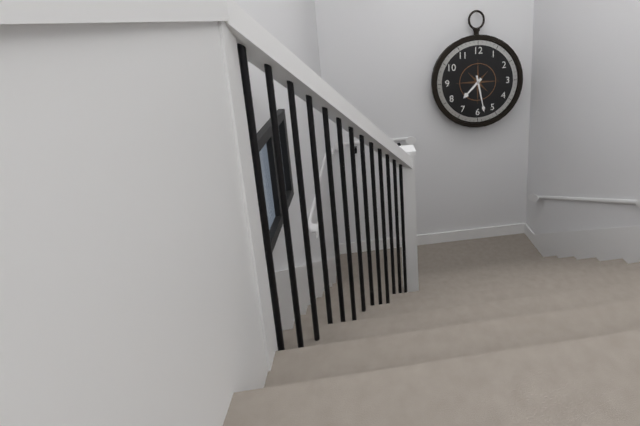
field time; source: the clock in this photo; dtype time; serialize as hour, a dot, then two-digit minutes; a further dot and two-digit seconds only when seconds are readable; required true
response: 7.28
